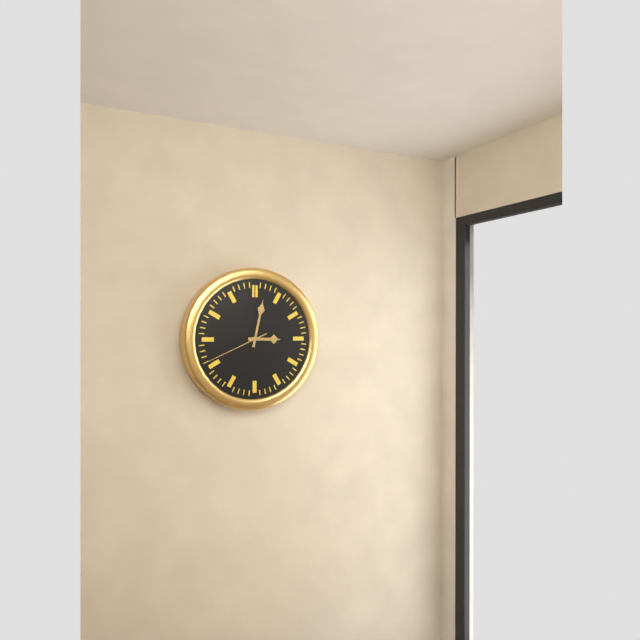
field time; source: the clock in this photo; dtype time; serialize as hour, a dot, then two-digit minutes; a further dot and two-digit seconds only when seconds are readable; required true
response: 3.02.41
